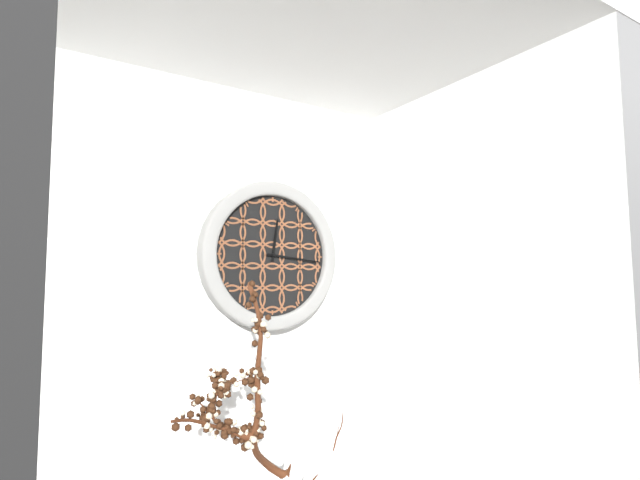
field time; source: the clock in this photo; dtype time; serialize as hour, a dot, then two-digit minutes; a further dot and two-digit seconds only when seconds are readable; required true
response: 12.16
